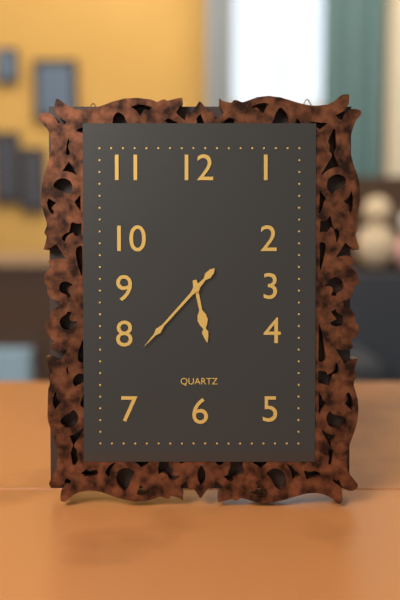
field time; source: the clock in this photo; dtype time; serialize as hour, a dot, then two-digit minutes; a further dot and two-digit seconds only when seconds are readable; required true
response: 5.37
